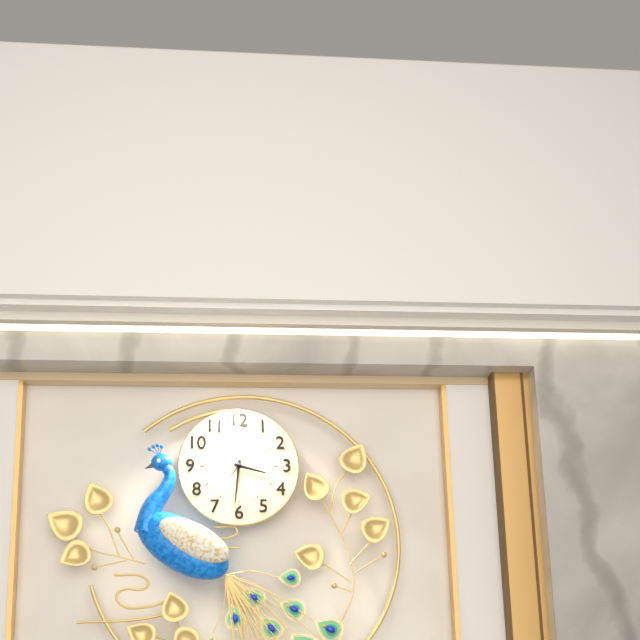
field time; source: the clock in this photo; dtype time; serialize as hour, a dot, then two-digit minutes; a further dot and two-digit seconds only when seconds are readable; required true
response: 3.31.06
